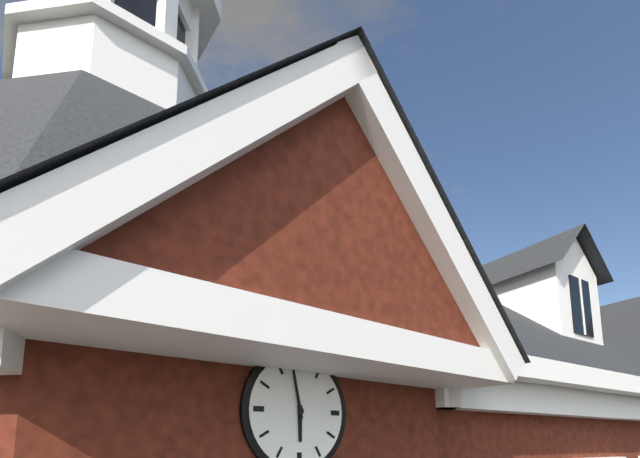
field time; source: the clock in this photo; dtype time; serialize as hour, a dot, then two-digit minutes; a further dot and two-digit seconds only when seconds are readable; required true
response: 5.58
